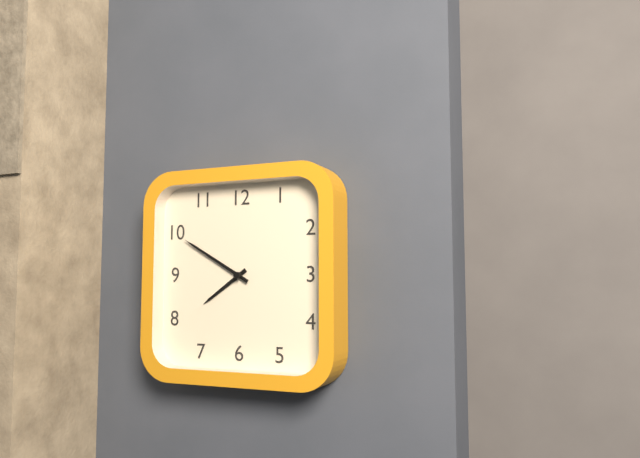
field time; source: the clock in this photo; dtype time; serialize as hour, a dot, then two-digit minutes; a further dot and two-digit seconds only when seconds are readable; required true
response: 7.50
